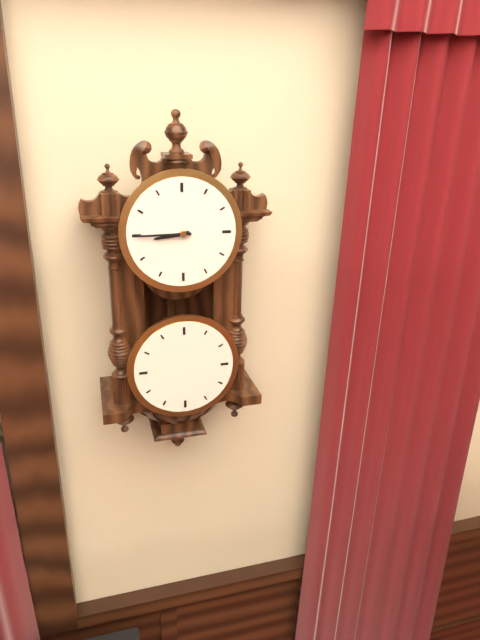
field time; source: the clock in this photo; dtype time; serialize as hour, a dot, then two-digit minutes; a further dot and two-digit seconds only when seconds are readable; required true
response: 8.45
